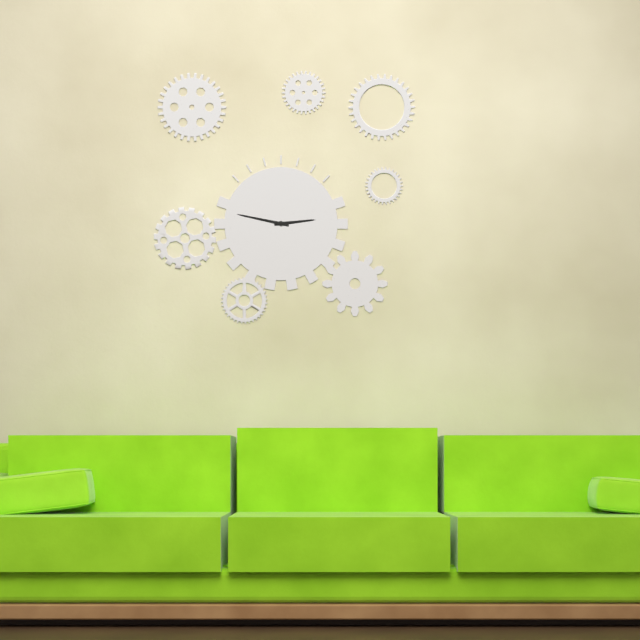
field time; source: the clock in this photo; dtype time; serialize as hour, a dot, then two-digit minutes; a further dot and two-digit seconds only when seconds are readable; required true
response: 2.47
